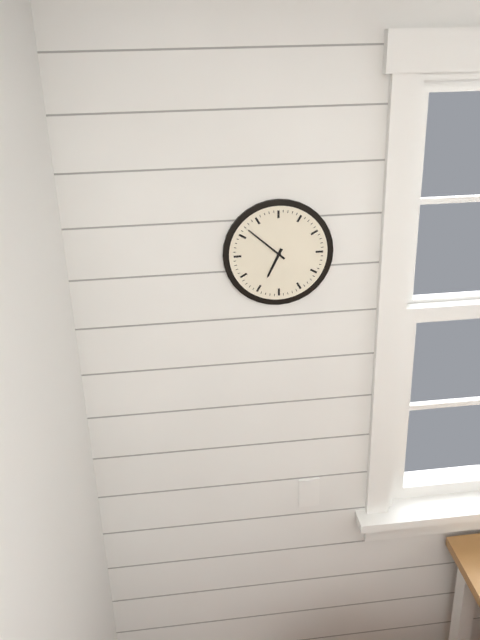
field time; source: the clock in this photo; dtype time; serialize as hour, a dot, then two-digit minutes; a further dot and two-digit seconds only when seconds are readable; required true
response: 6.52
